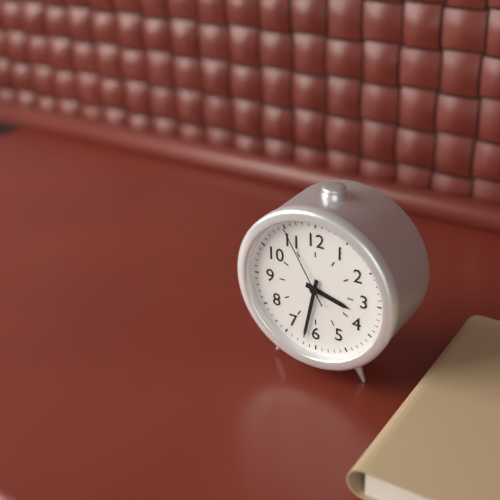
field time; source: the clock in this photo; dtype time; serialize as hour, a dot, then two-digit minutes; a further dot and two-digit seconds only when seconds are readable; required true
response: 3.32.55
